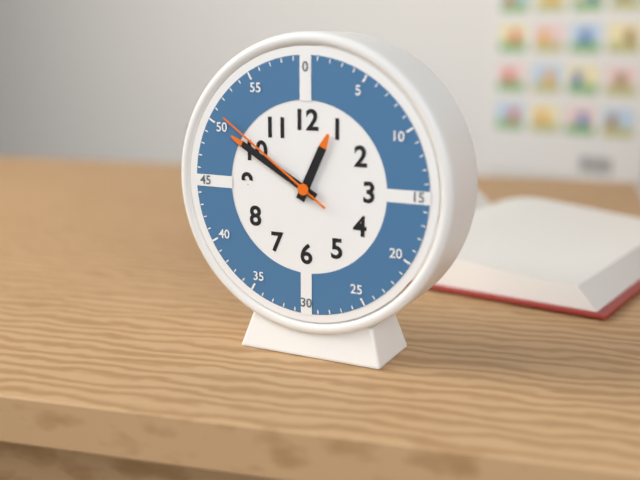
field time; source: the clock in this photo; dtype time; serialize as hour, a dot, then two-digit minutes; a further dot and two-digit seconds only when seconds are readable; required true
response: 12.50.51
